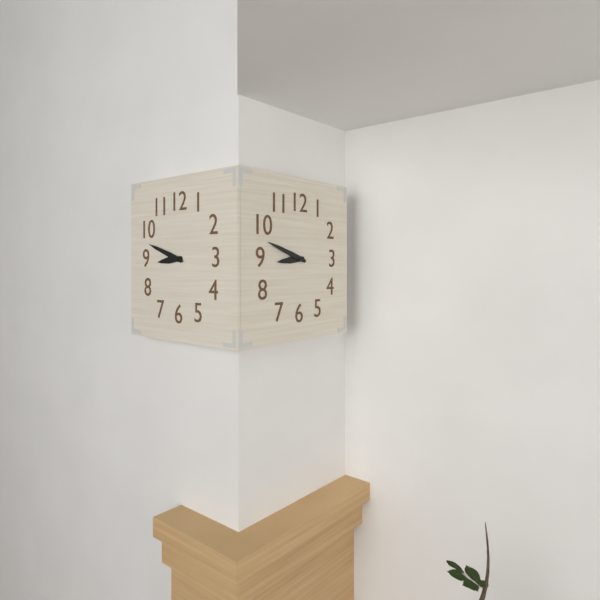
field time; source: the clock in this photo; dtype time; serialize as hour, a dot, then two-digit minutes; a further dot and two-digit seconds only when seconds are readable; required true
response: 8.48
